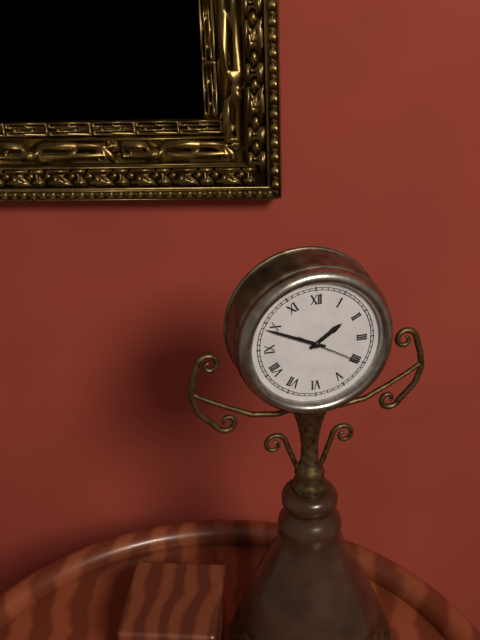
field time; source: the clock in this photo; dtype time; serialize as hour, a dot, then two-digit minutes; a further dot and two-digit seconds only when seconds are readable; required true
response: 1.49.20
